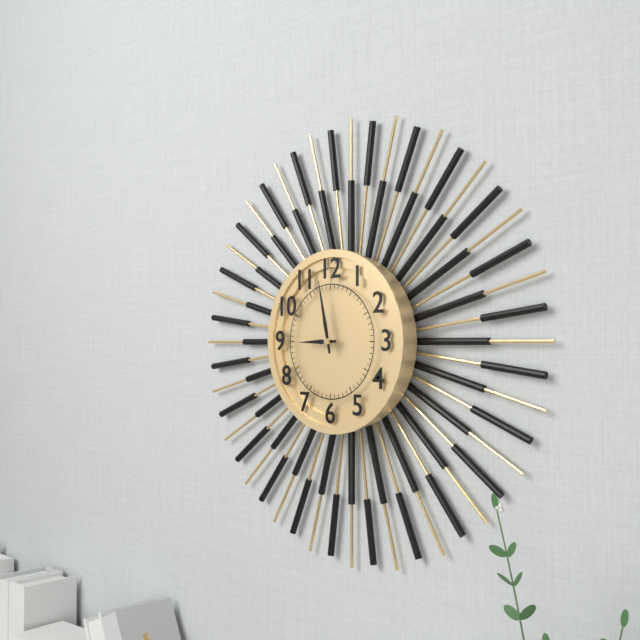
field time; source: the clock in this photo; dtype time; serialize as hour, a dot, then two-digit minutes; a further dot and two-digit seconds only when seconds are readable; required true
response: 8.58
